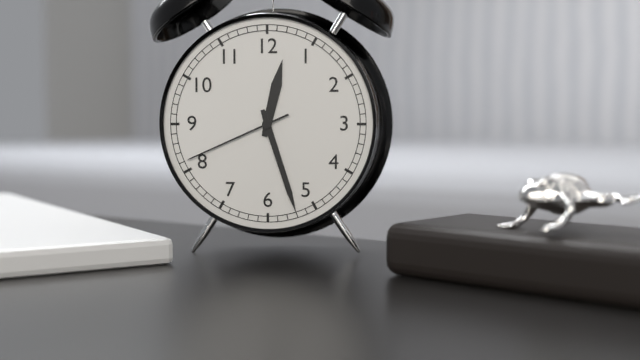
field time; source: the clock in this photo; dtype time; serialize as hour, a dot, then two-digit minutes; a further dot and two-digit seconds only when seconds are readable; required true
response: 12.27.41
